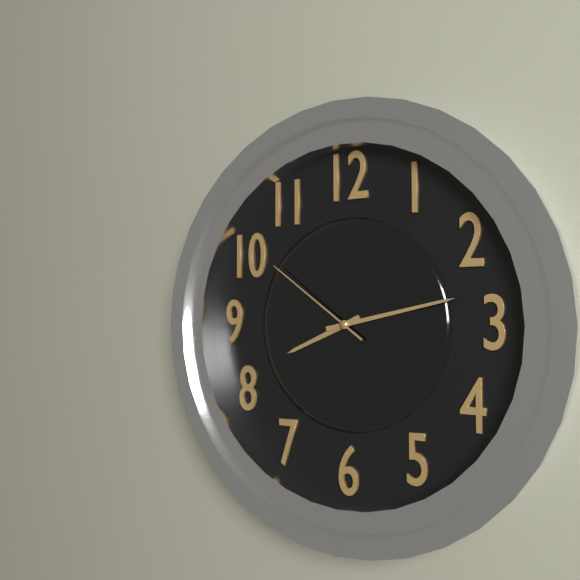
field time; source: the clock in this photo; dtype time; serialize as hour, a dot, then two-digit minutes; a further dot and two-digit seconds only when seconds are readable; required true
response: 8.13.51
